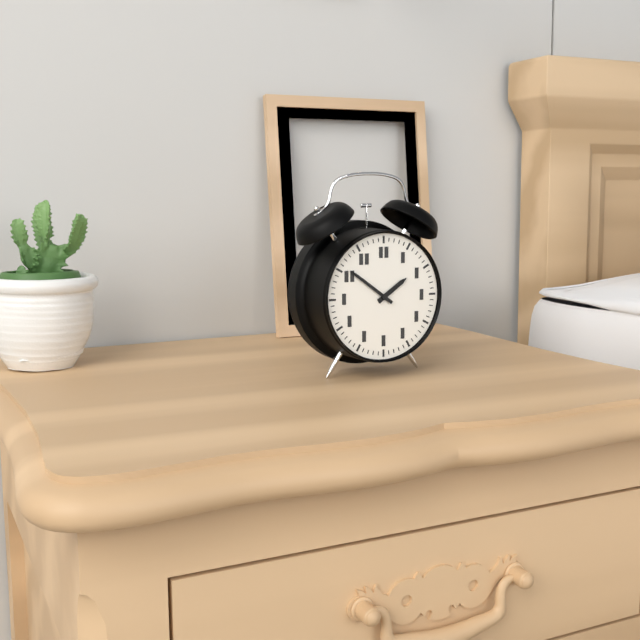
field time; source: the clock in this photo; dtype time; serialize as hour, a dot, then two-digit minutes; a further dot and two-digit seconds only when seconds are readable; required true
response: 1.51
